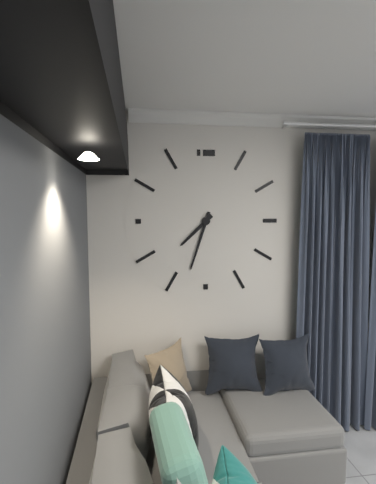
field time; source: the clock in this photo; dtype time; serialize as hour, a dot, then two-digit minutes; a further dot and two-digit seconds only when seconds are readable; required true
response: 7.33
